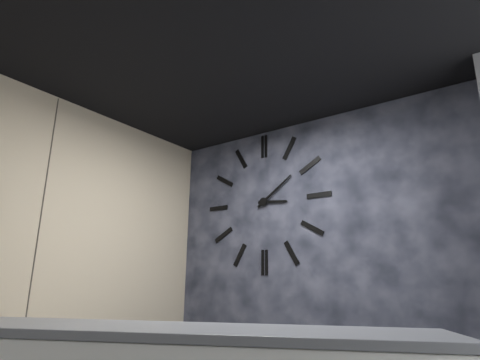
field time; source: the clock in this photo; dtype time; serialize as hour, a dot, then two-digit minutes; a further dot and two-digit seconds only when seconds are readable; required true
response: 3.09
